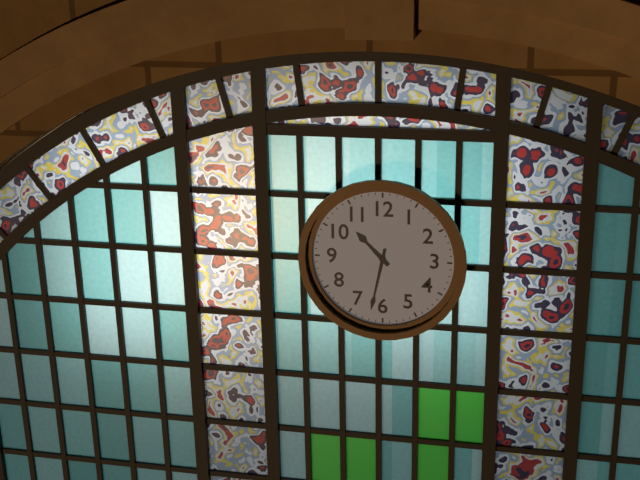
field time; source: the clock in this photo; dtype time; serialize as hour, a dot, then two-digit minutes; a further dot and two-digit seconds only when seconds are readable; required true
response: 10.32
